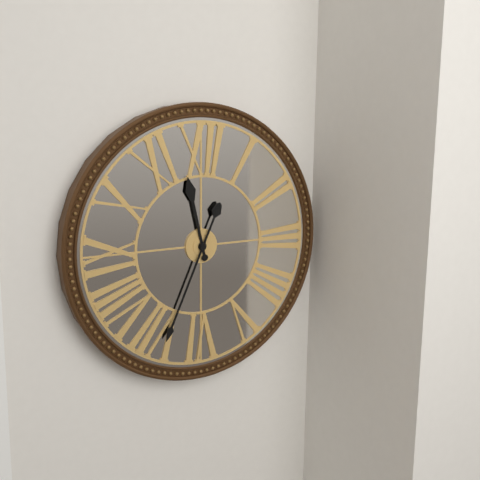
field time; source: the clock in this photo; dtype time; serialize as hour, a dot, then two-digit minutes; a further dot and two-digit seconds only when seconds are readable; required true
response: 11.34
